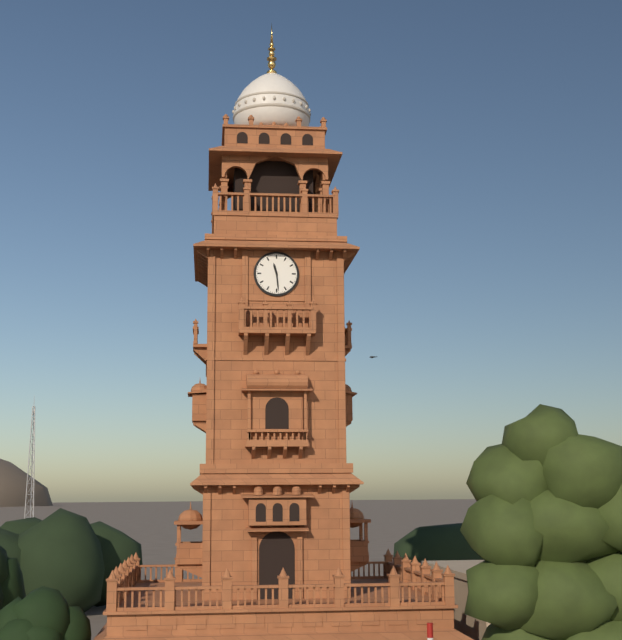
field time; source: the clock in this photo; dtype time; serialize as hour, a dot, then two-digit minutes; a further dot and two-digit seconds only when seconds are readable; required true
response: 11.29
